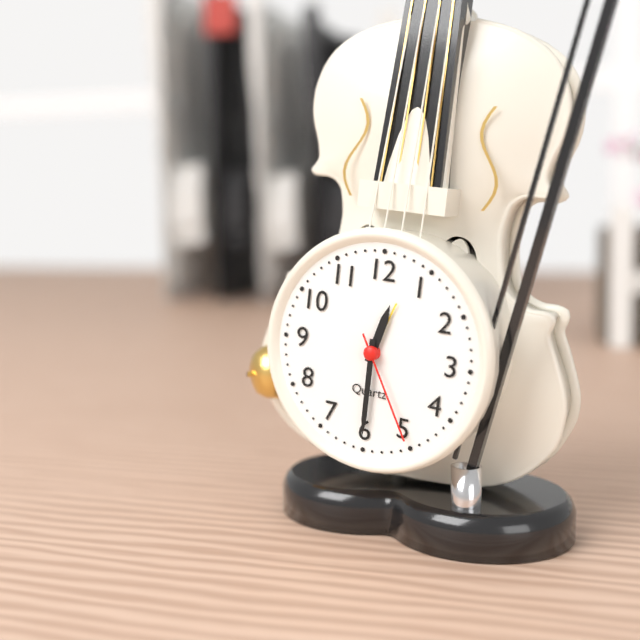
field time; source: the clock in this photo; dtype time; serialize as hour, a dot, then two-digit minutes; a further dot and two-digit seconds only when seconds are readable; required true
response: 12.30.25
